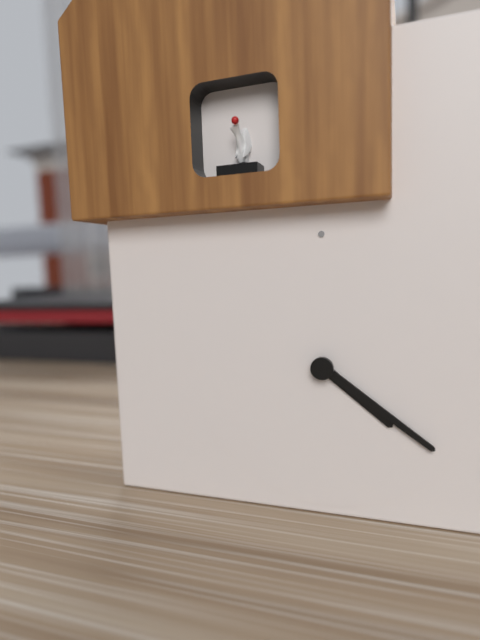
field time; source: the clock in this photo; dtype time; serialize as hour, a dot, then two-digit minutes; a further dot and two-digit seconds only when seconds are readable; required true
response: 4.21
